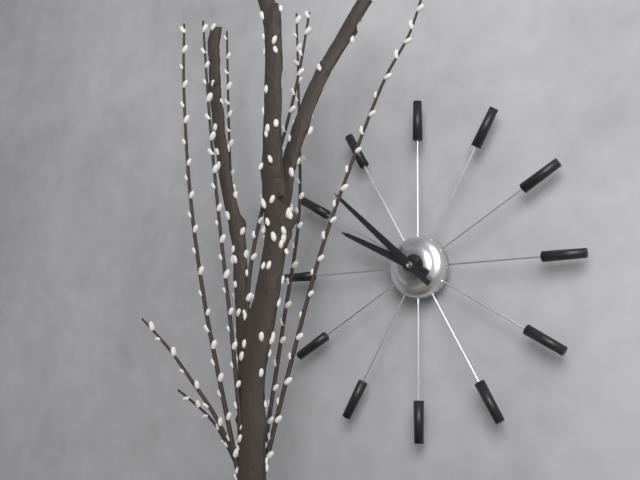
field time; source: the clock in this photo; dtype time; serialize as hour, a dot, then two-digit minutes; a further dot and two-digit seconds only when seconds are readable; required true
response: 9.52
